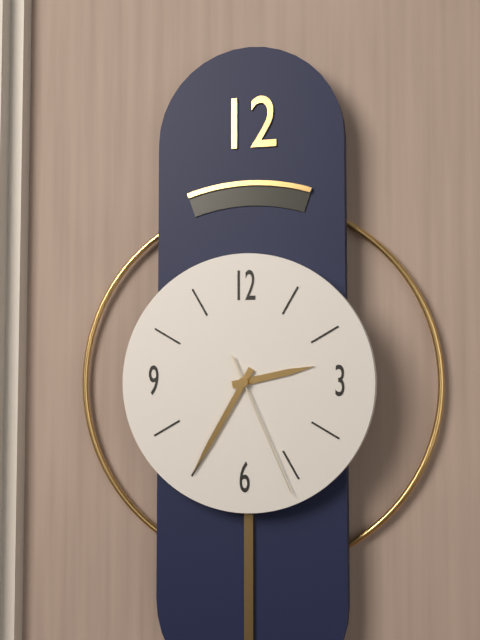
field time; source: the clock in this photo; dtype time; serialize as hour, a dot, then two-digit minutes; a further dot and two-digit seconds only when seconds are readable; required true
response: 2.35.26
